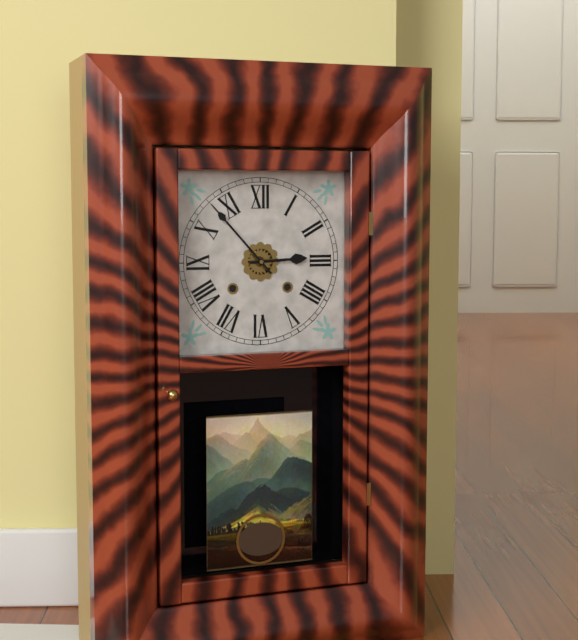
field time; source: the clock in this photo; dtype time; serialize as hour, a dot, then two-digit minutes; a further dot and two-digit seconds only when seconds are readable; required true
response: 2.53
